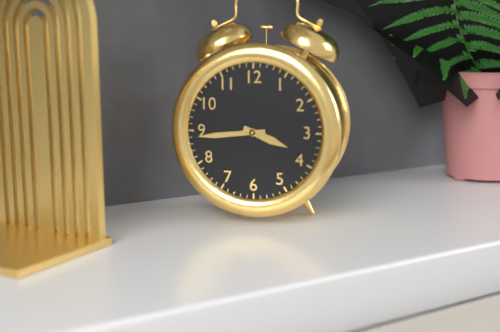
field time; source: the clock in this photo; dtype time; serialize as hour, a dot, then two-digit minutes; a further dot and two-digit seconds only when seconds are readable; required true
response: 3.44
